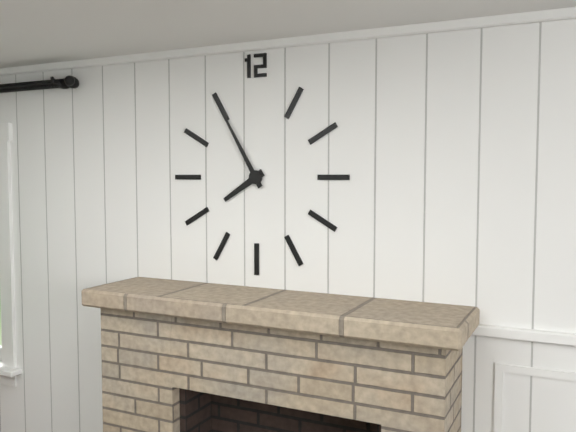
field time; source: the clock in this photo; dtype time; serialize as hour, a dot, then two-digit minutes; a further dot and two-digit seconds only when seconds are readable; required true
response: 7.55
